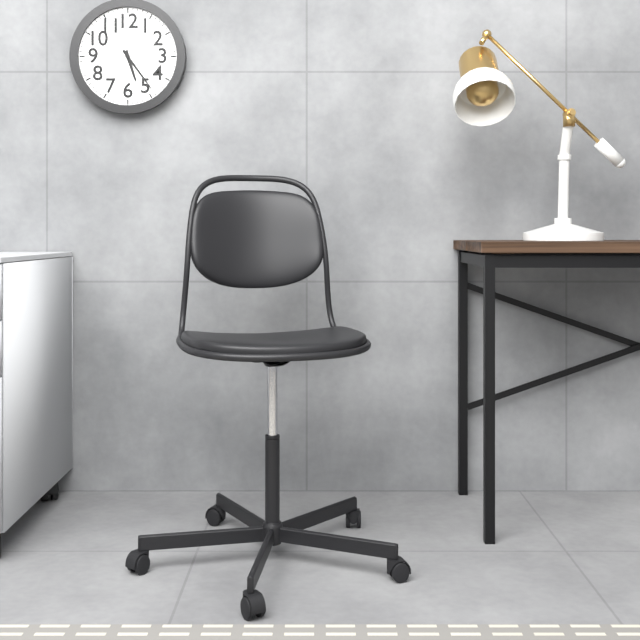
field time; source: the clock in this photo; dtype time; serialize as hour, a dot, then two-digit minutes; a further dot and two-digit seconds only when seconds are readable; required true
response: 5.24
